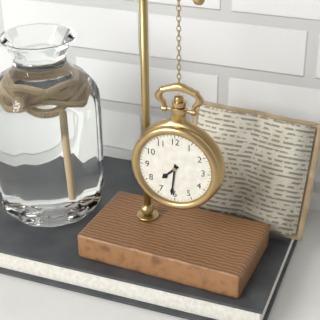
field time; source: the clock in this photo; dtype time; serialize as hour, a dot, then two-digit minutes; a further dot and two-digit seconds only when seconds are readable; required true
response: 7.31
